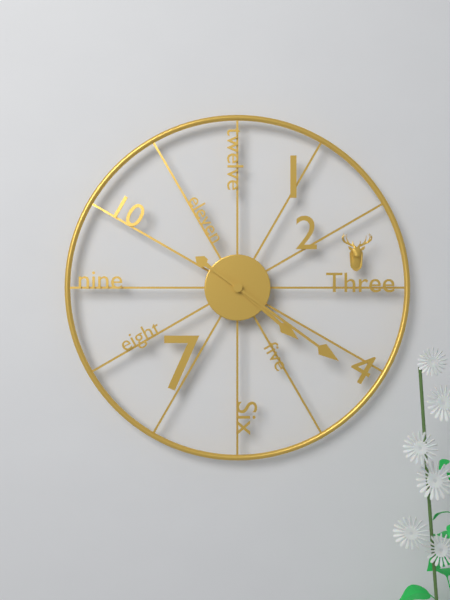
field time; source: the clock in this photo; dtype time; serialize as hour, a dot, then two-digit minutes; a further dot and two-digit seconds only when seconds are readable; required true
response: 4.21
